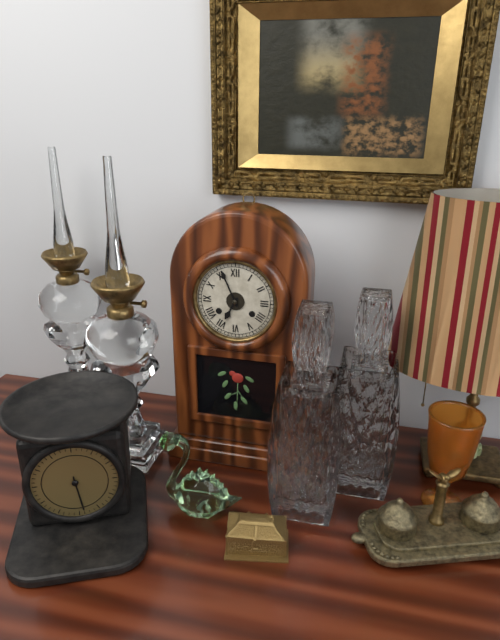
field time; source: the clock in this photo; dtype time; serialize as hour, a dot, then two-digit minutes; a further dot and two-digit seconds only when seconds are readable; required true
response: 6.56
